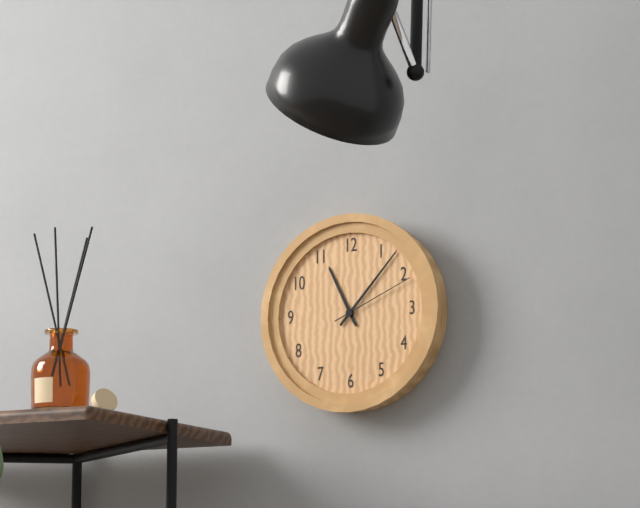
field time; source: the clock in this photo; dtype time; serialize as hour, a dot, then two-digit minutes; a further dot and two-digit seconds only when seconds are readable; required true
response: 11.07.11
